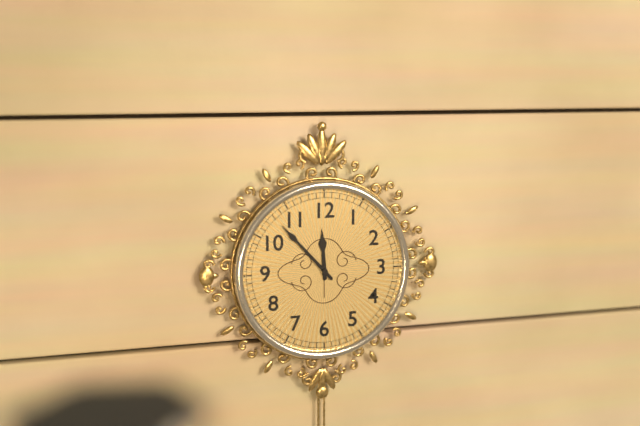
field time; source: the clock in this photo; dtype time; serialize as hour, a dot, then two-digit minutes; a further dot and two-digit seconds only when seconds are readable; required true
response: 11.53
